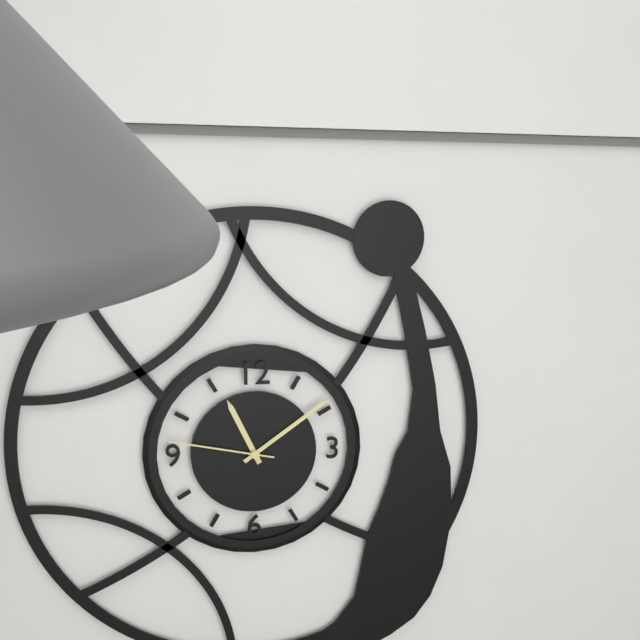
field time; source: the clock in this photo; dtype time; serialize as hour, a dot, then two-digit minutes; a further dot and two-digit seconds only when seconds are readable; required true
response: 11.09.47
